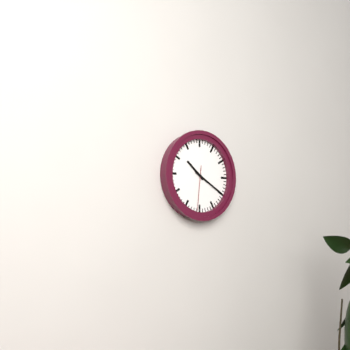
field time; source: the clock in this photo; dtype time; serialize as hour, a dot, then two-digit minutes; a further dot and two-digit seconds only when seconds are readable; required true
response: 10.20
